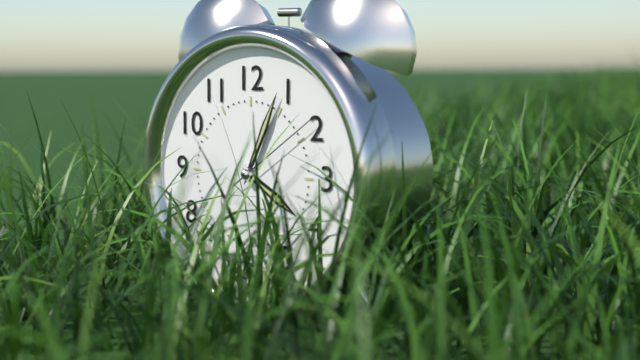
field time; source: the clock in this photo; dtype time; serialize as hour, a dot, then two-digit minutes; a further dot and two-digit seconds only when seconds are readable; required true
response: 4.04.09
